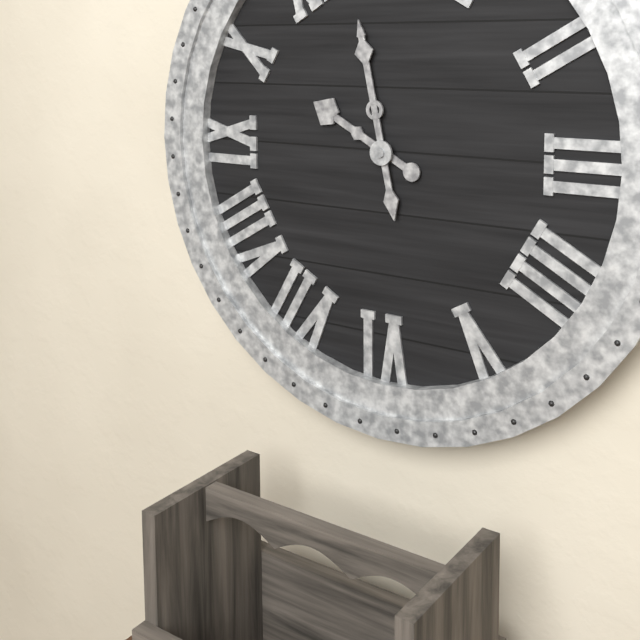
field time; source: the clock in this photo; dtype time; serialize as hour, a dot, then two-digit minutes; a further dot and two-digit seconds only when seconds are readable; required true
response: 9.58
